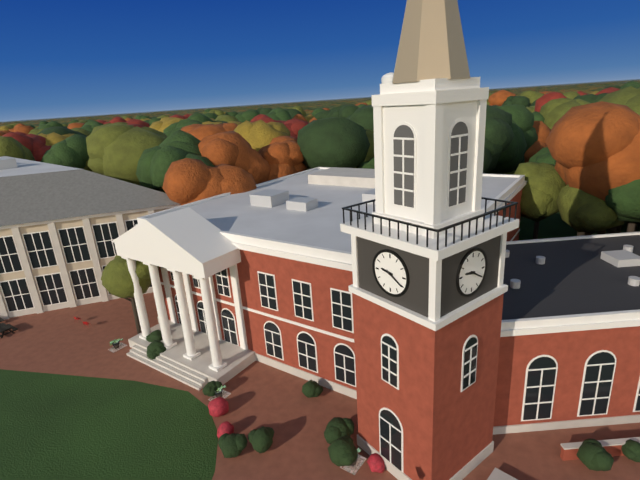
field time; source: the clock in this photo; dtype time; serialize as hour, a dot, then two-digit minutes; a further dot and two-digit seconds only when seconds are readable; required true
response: 9.20
